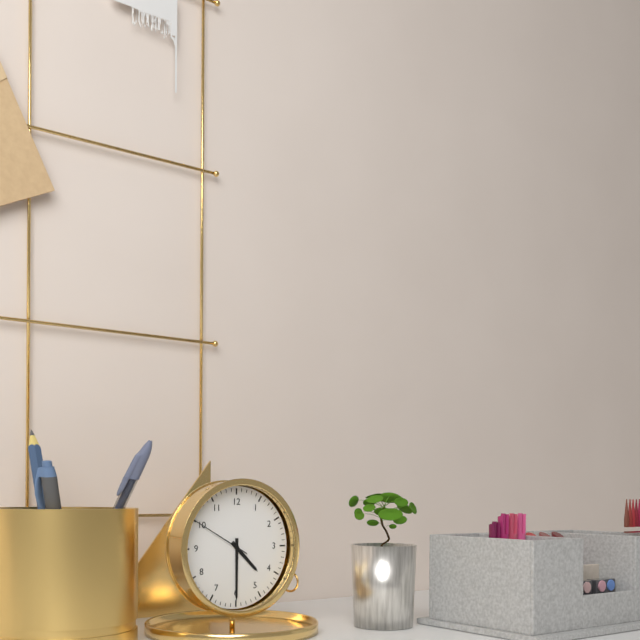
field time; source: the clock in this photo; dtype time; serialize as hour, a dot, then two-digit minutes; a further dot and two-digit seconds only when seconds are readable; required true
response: 4.30.50
